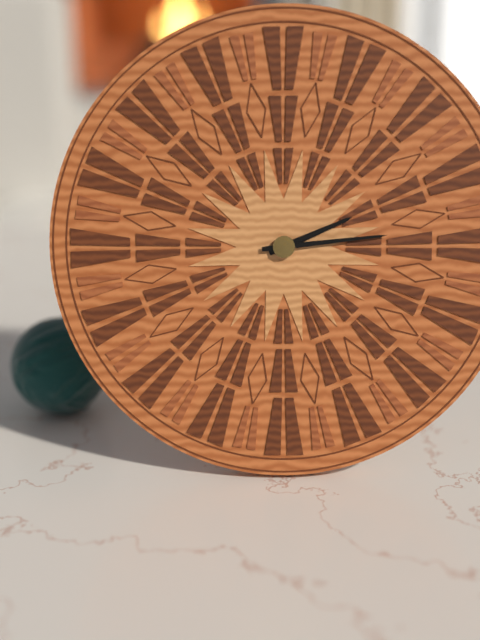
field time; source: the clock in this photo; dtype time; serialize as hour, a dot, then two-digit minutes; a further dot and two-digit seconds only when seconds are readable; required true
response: 2.14
